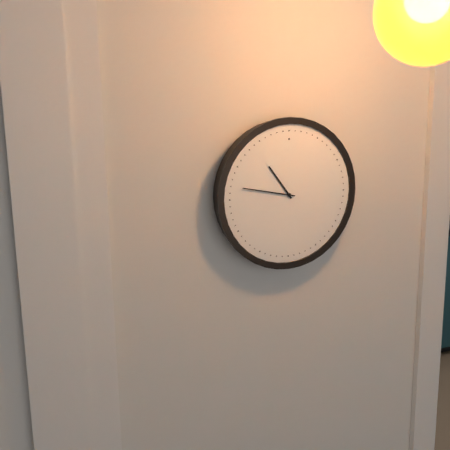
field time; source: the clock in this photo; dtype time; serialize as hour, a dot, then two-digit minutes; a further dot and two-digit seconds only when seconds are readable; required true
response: 10.47
